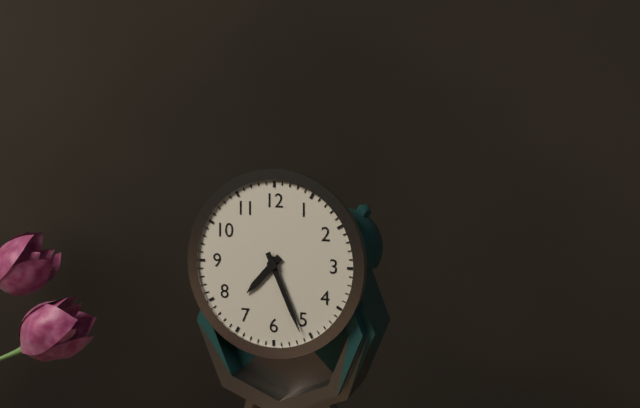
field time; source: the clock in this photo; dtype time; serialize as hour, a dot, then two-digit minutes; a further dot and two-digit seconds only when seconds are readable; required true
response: 7.26
